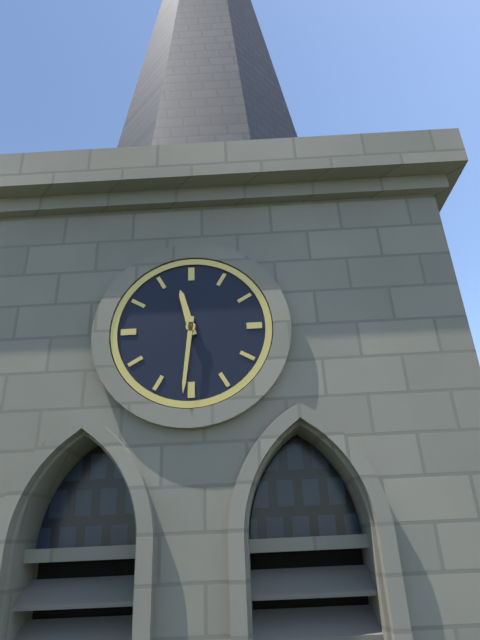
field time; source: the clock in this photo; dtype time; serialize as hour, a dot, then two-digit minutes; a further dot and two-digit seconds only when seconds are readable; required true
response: 11.31
